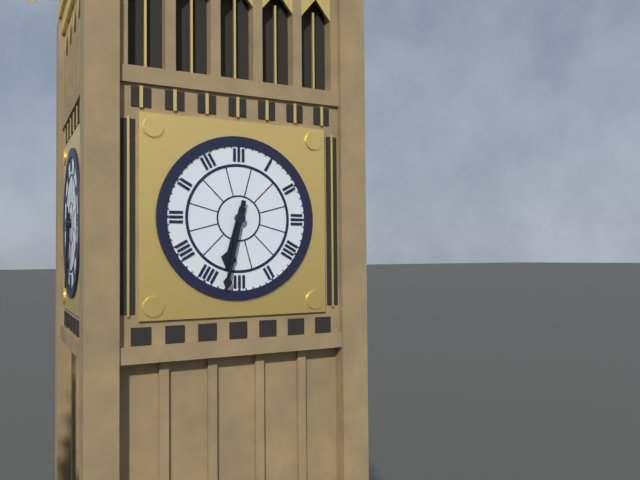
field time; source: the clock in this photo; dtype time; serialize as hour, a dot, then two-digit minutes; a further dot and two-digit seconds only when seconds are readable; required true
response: 6.32
